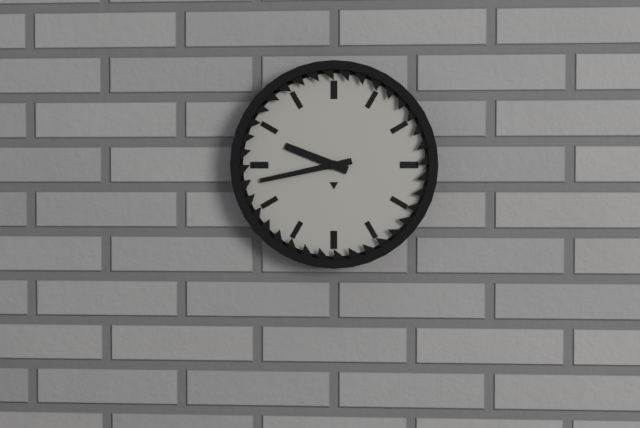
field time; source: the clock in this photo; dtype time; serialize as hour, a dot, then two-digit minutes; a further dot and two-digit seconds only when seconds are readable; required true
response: 9.43
